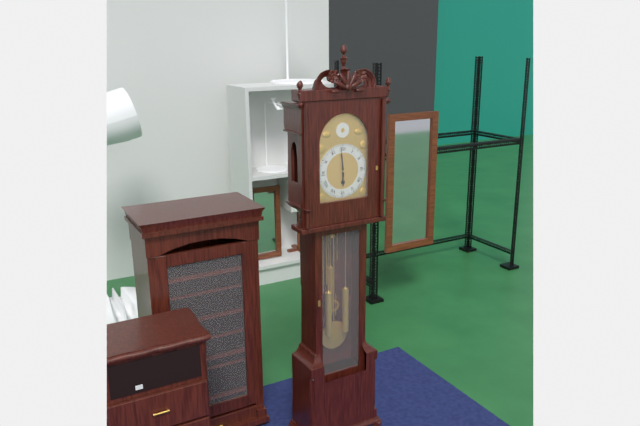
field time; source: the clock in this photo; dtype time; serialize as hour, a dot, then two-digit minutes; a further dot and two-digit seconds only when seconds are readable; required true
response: 5.59
